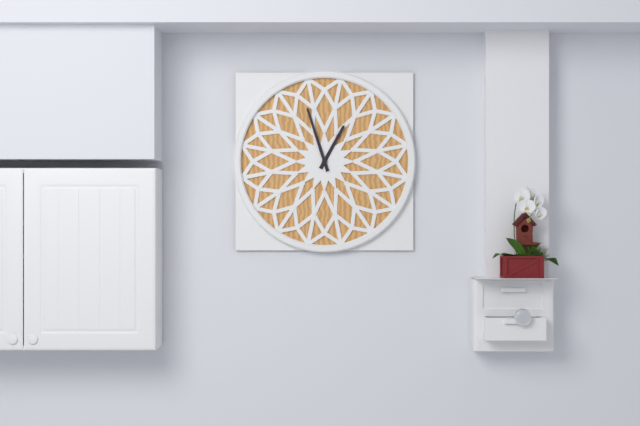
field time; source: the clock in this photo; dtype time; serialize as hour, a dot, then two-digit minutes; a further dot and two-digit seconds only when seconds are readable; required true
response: 12.57
